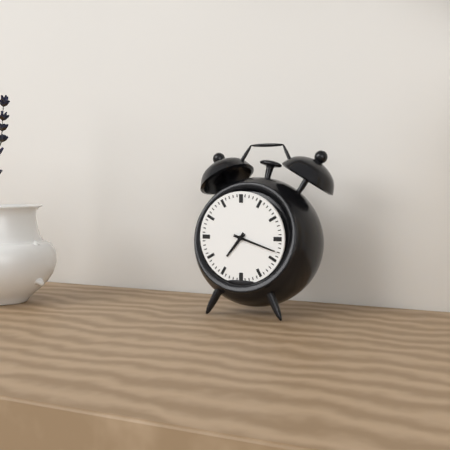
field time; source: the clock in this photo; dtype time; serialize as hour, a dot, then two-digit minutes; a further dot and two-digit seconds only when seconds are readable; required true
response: 7.18
